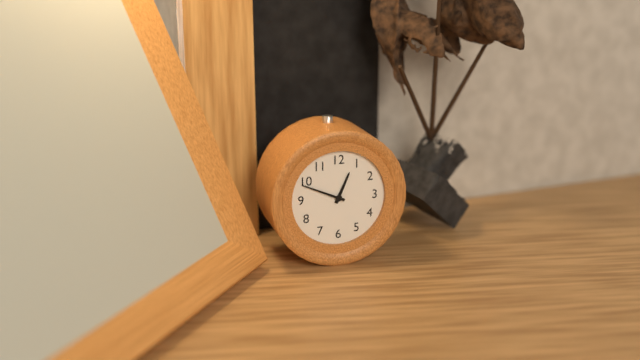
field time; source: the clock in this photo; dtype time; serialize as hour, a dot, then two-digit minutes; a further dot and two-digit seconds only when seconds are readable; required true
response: 12.49
